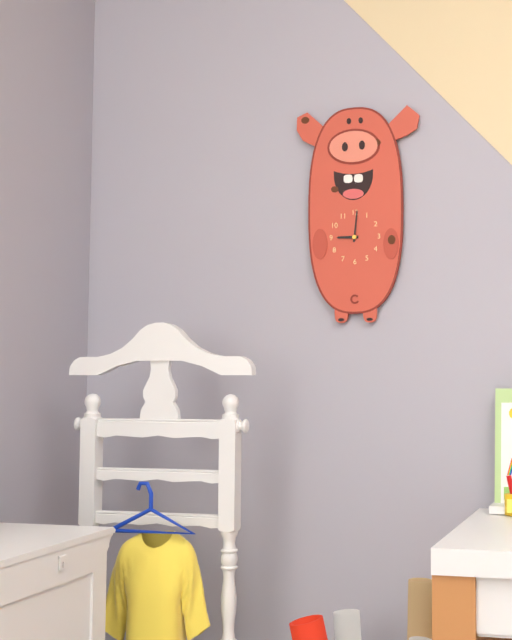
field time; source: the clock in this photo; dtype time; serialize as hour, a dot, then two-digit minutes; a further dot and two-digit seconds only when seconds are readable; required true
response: 9.01
